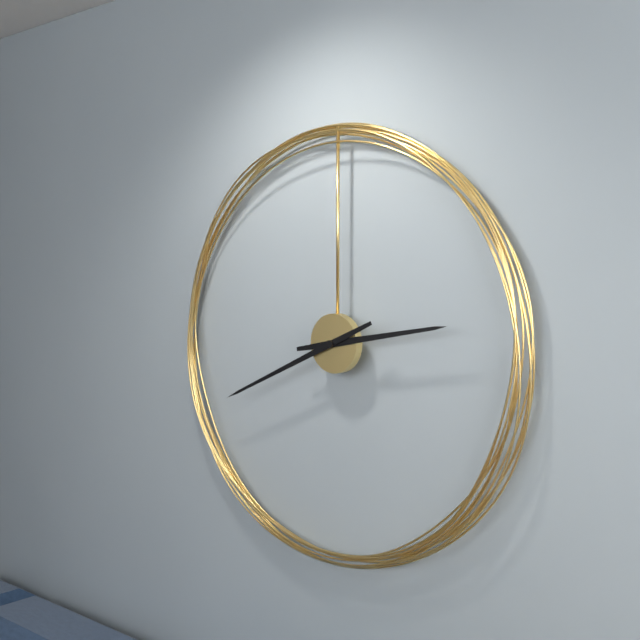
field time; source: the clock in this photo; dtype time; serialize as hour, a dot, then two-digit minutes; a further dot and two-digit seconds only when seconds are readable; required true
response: 2.41
